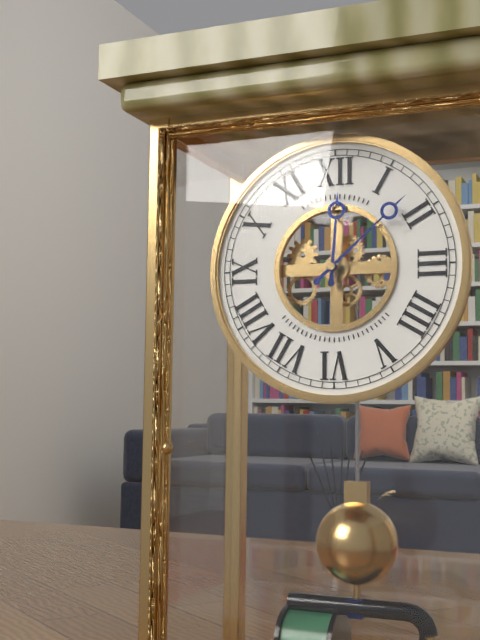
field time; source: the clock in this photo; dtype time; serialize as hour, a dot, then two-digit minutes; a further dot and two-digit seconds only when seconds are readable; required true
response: 12.08
